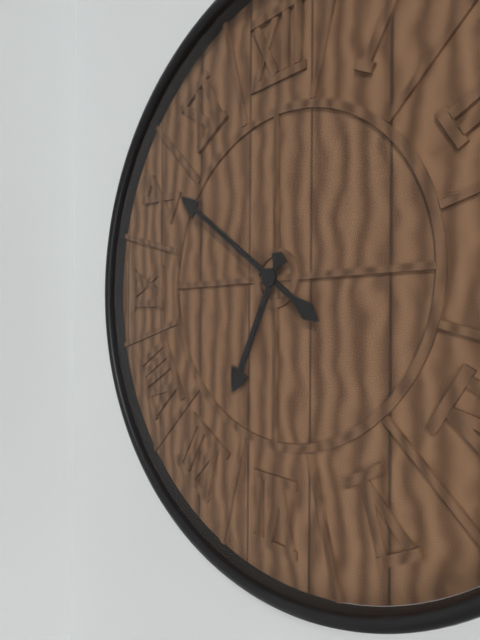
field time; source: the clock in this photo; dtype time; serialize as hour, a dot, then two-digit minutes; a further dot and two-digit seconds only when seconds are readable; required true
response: 6.51
